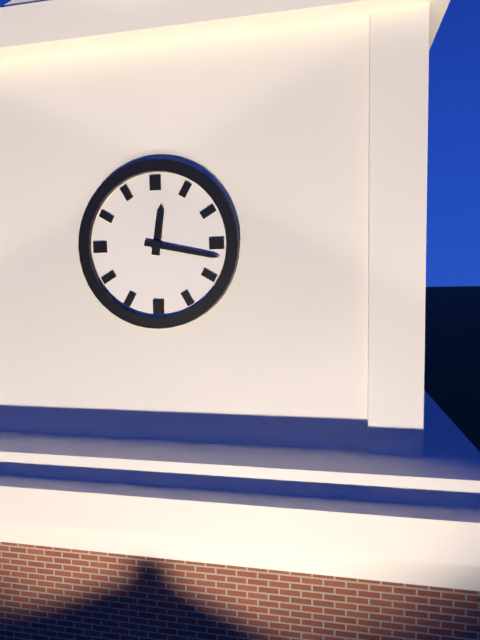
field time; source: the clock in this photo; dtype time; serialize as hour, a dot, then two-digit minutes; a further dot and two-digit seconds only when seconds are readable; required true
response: 12.17
